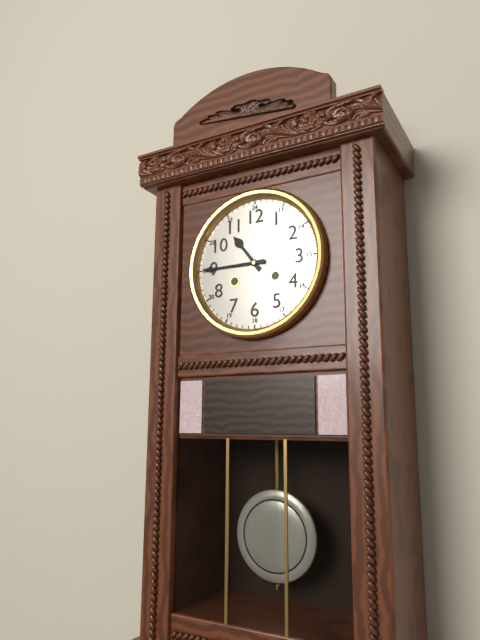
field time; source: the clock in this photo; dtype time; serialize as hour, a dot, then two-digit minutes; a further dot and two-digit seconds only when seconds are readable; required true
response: 10.45
